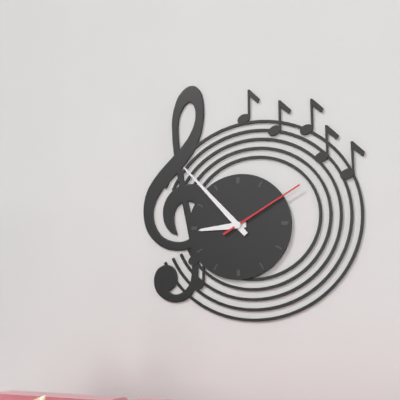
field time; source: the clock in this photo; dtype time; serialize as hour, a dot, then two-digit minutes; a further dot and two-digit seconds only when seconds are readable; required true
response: 8.53.10
